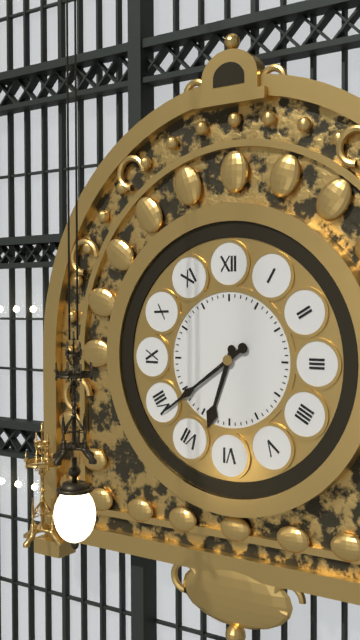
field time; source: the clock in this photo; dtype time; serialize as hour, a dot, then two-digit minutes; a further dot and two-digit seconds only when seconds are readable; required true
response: 6.39
